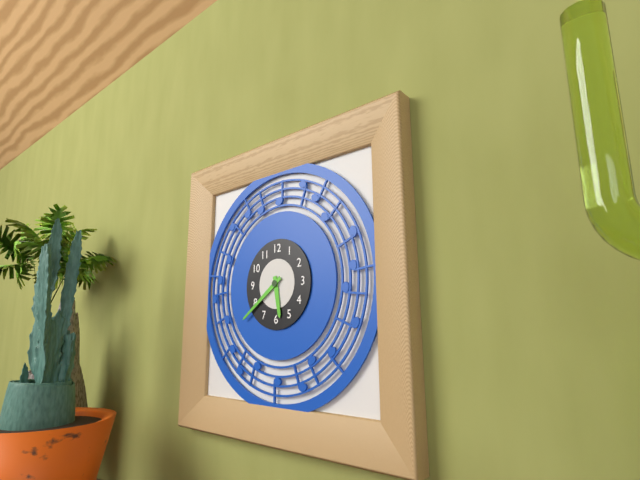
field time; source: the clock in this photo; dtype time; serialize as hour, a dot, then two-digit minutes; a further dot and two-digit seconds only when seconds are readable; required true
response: 5.39
